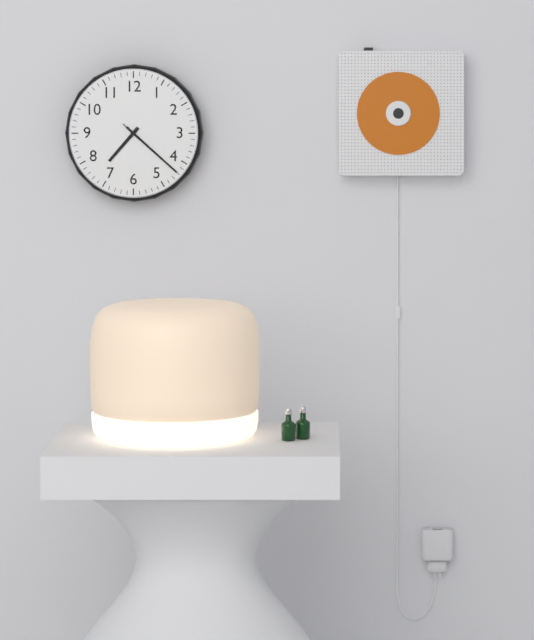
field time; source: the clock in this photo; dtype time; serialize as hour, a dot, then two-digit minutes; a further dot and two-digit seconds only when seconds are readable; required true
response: 7.22.22
